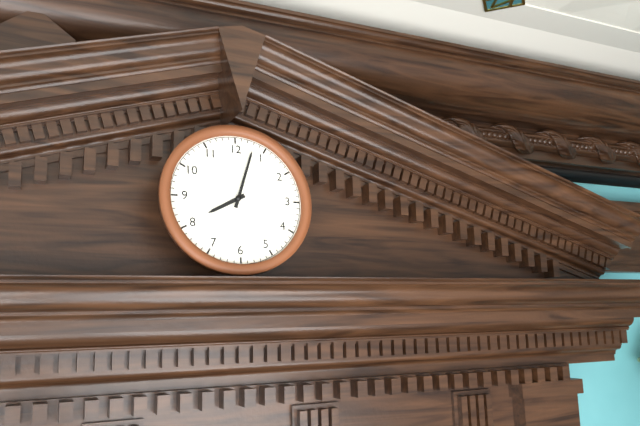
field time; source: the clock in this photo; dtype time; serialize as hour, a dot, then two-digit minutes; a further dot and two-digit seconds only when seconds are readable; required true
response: 8.03
